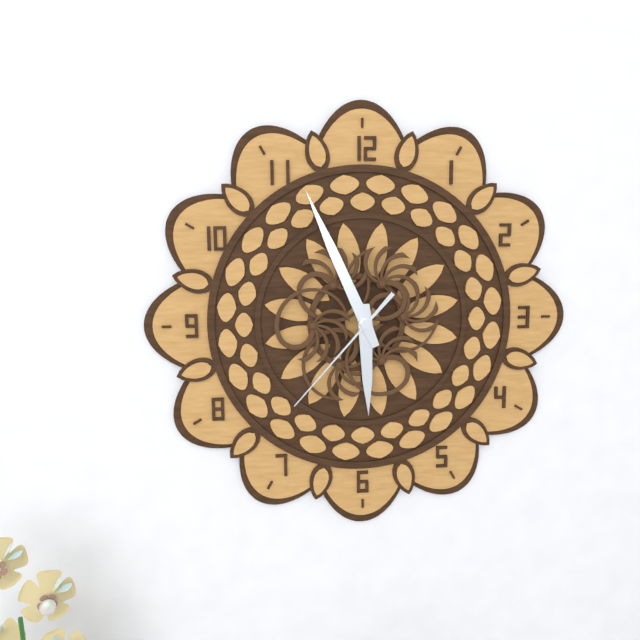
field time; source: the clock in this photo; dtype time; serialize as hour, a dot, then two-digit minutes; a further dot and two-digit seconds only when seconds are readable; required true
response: 5.56.37
